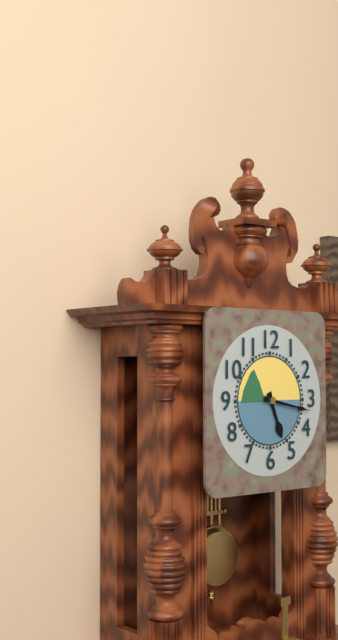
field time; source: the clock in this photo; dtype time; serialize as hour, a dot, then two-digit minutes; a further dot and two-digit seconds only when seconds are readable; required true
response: 5.17
